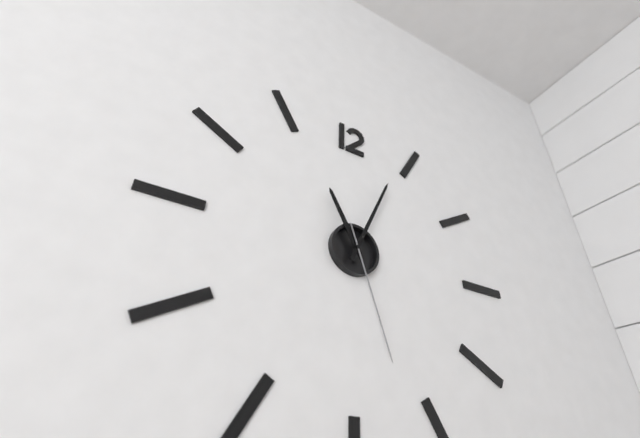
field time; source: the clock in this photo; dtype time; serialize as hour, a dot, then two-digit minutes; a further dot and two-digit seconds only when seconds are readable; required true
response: 11.04.27
